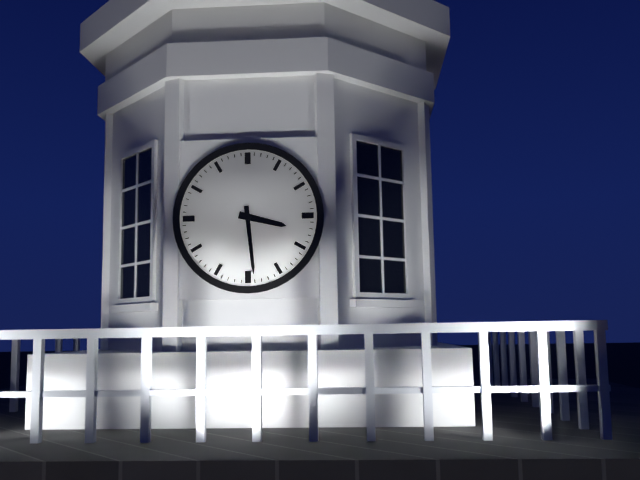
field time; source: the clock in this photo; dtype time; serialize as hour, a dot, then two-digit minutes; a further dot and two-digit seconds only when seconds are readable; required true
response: 3.29
